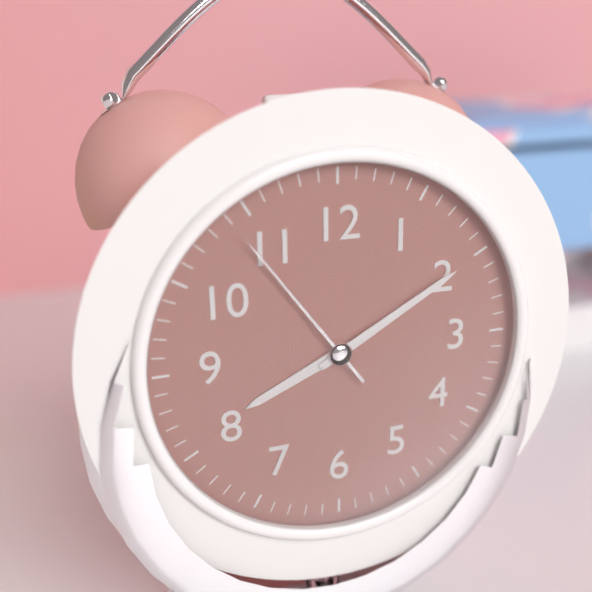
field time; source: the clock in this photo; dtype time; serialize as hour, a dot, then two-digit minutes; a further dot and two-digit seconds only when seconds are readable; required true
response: 8.10.54
